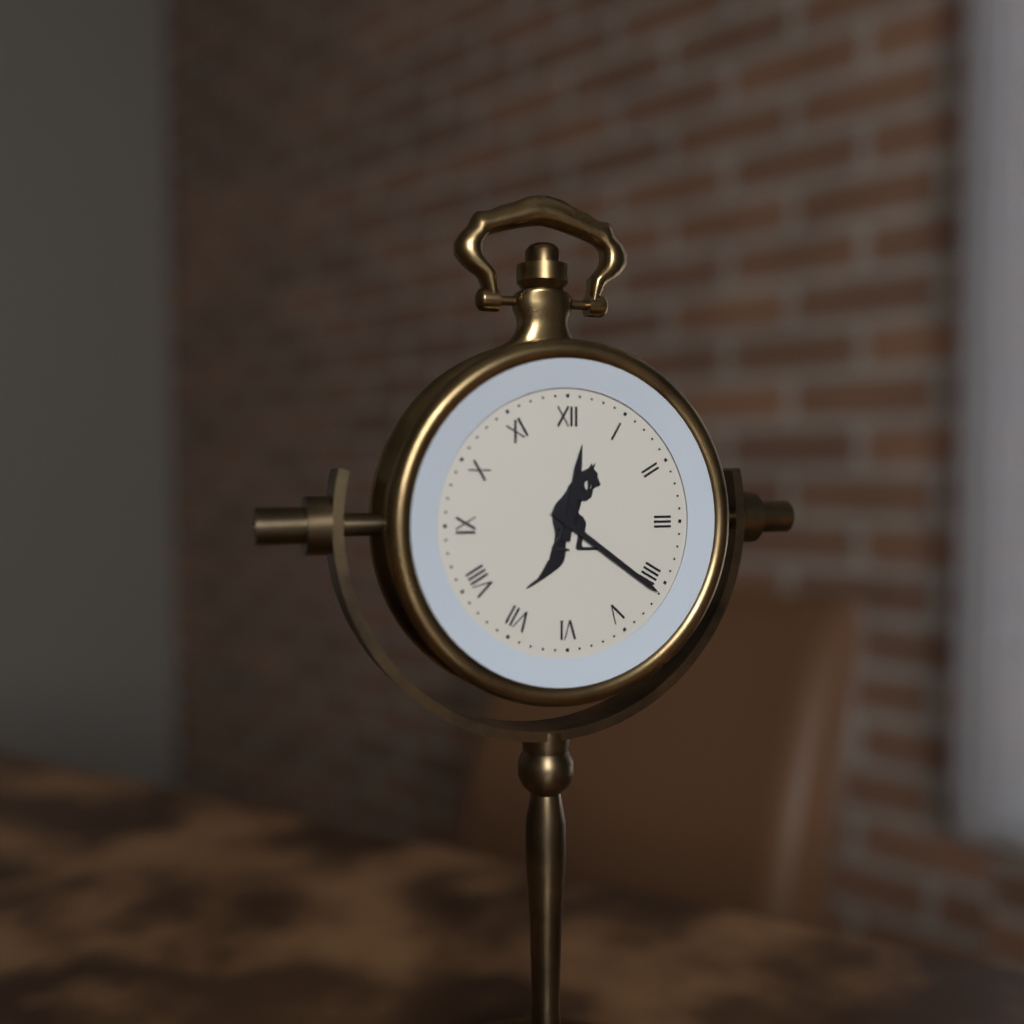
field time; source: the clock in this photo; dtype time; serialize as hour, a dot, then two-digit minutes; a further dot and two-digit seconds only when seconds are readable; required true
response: 12.21
